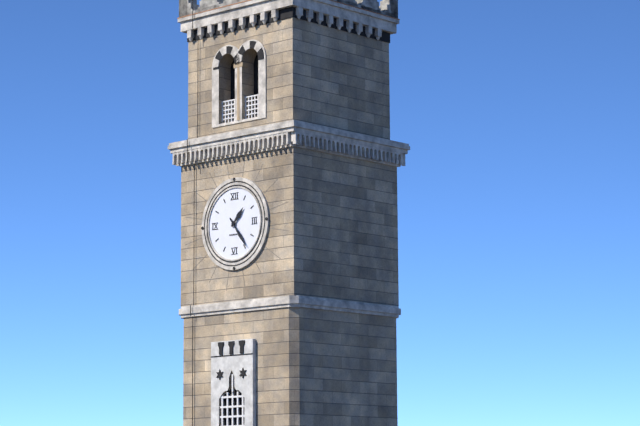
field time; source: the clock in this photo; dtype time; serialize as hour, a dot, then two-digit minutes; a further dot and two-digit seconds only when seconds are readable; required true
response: 1.24
